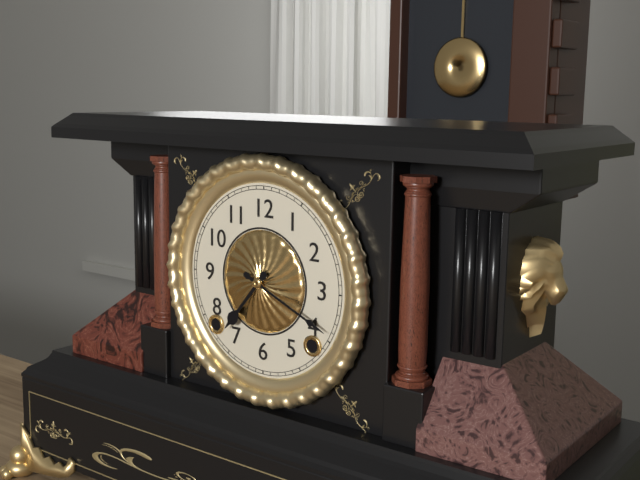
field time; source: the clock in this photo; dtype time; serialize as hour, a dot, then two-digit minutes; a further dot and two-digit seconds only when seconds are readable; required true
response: 7.19
